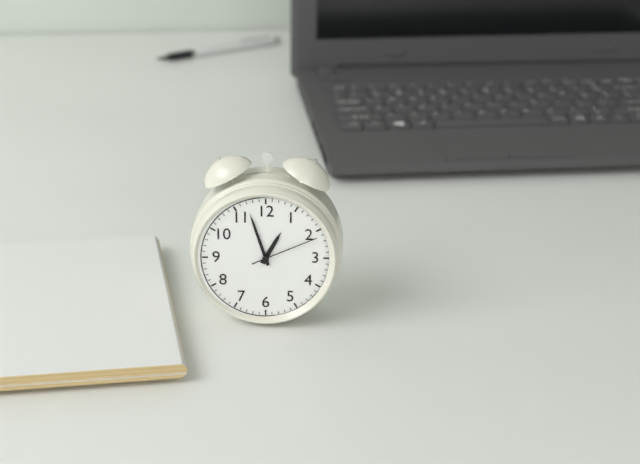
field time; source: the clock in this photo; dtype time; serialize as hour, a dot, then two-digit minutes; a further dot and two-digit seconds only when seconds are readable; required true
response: 12.57.11
